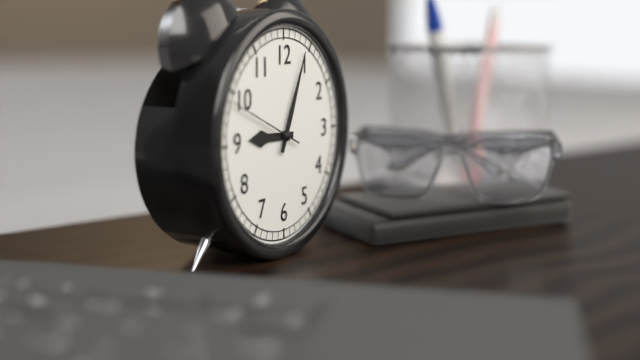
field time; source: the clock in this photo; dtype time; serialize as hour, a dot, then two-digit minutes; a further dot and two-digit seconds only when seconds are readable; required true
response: 9.04.49
